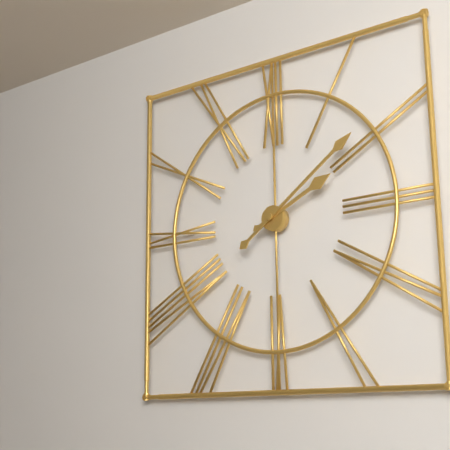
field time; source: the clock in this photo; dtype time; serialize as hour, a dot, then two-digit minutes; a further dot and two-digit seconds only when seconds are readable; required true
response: 2.09
